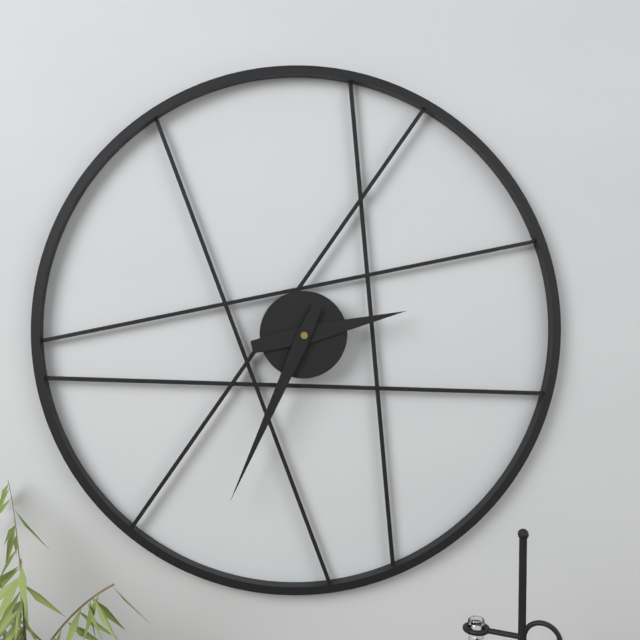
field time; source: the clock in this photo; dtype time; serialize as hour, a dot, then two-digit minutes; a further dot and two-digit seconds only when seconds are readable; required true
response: 2.34
